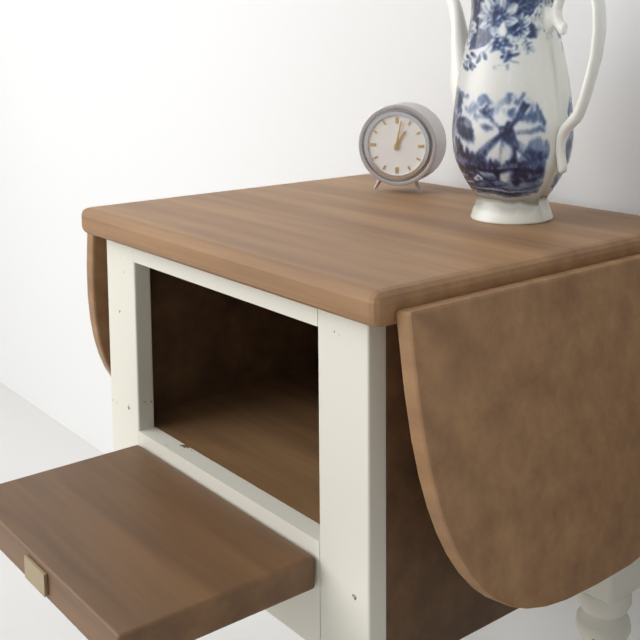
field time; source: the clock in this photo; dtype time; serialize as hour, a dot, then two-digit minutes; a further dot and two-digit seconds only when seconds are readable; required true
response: 1.02
